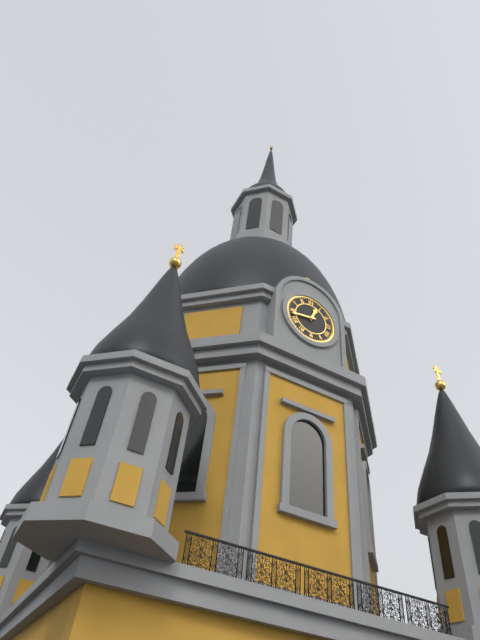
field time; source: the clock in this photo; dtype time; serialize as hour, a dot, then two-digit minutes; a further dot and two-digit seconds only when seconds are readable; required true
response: 12.43
